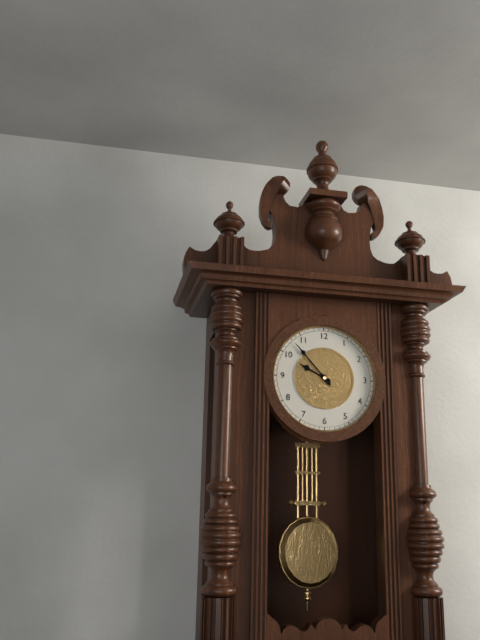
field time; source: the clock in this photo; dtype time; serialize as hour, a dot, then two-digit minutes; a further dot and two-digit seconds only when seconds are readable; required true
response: 9.53
